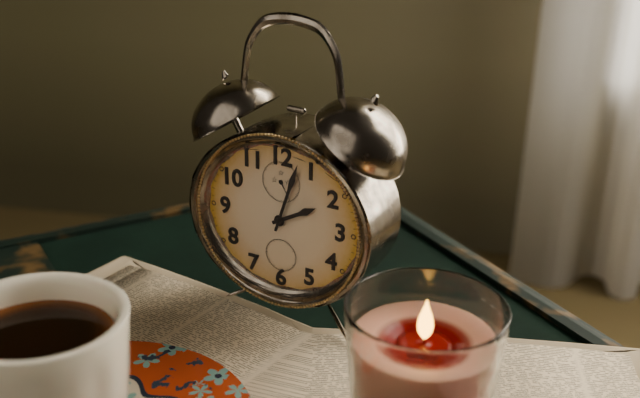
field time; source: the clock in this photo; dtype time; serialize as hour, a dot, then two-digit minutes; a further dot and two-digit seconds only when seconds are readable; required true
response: 2.03
